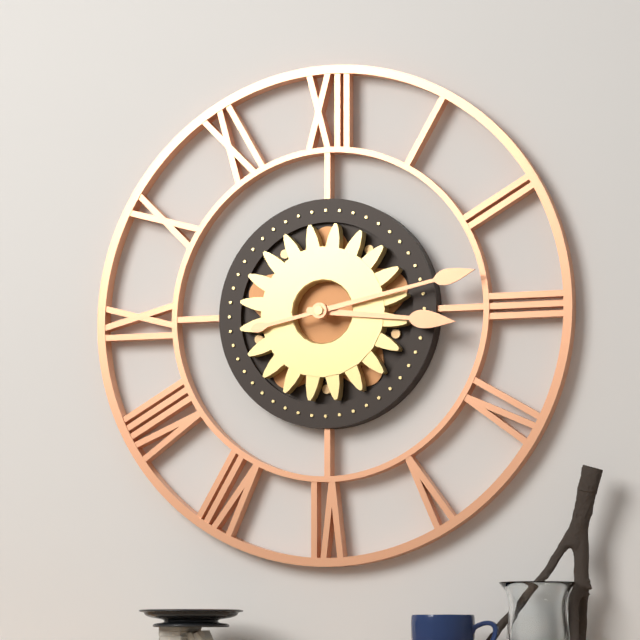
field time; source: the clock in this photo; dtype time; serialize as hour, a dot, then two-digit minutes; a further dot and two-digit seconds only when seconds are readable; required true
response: 3.13
